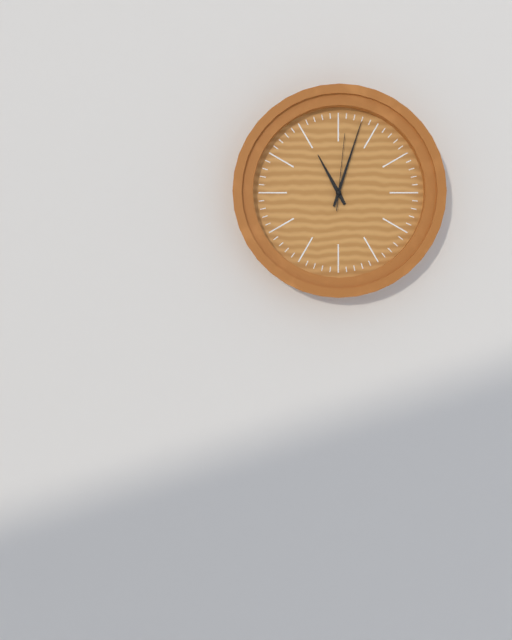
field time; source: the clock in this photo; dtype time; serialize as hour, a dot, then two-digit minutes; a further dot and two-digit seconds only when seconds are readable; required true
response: 11.03.01
